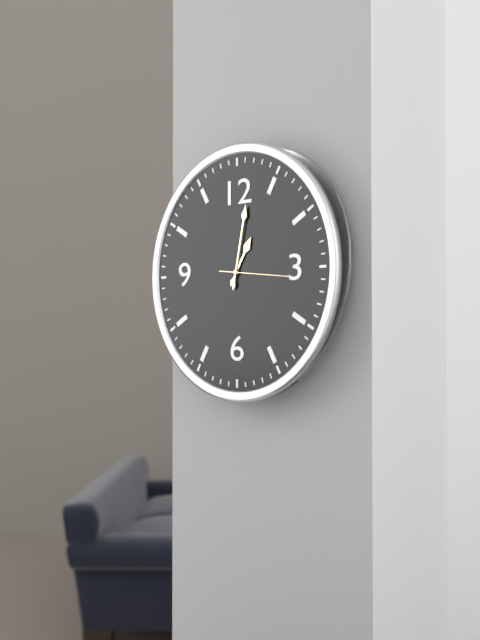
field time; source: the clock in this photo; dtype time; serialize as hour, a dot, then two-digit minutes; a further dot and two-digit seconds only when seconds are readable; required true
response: 1.02.16
